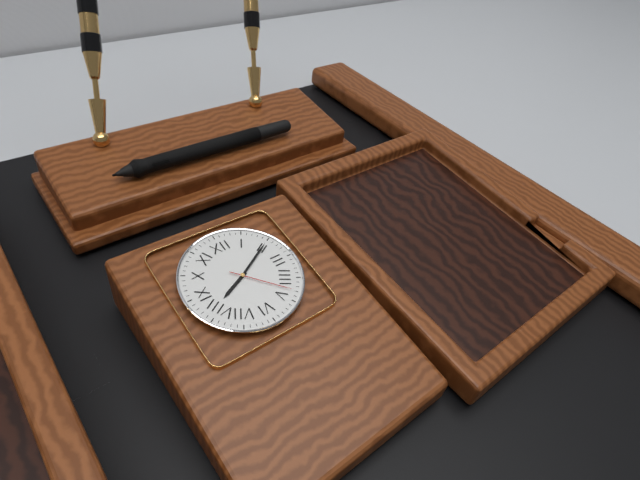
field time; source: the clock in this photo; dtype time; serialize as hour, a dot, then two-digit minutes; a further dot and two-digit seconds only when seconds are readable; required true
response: 8.10.23
